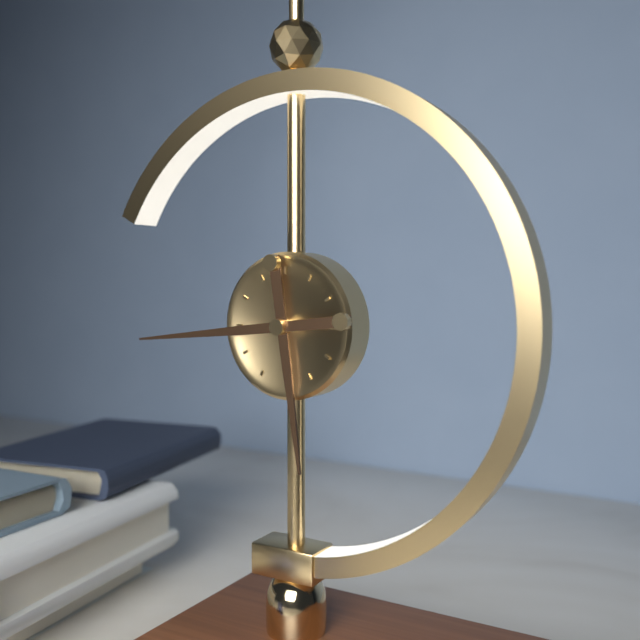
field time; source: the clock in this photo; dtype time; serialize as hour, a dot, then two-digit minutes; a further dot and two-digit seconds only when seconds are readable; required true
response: 5.44
